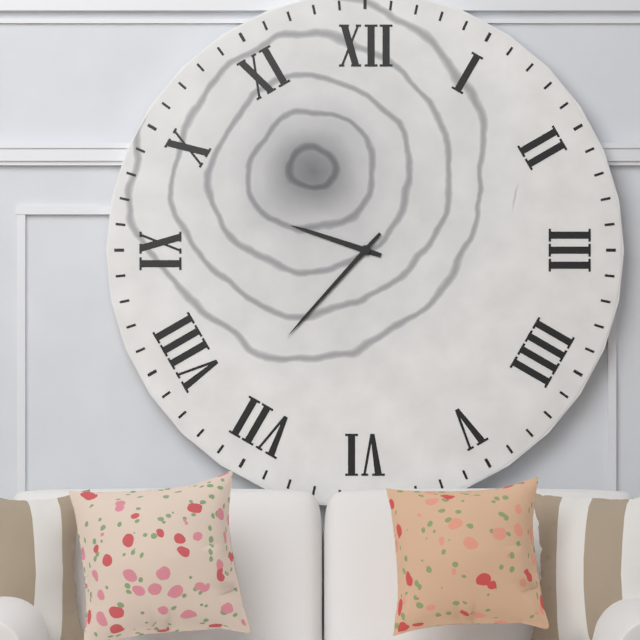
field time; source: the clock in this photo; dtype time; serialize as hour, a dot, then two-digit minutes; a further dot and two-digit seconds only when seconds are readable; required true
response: 9.37
